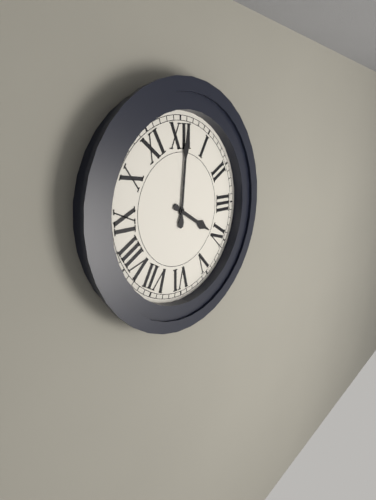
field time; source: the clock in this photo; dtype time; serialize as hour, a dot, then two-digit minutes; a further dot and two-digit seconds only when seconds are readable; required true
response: 4.01
